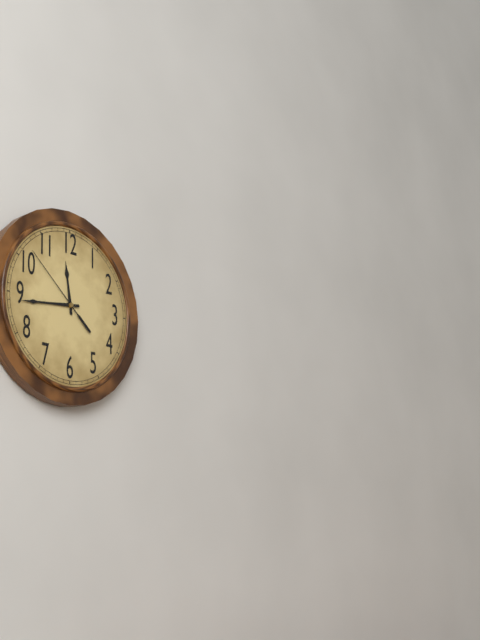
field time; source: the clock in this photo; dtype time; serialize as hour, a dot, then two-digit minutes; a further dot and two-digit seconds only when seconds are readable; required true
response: 11.44.52
